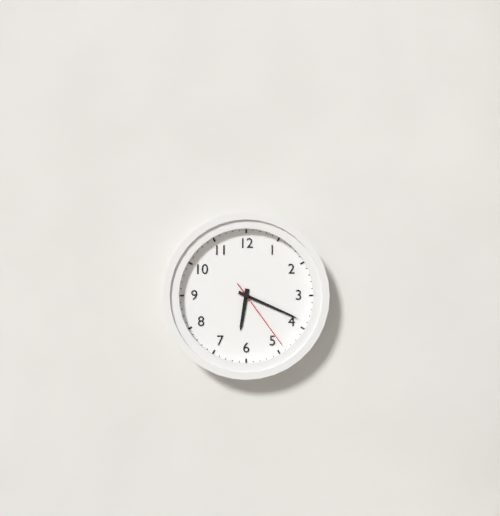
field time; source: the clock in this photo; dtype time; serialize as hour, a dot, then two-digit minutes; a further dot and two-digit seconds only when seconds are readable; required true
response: 6.19.24
